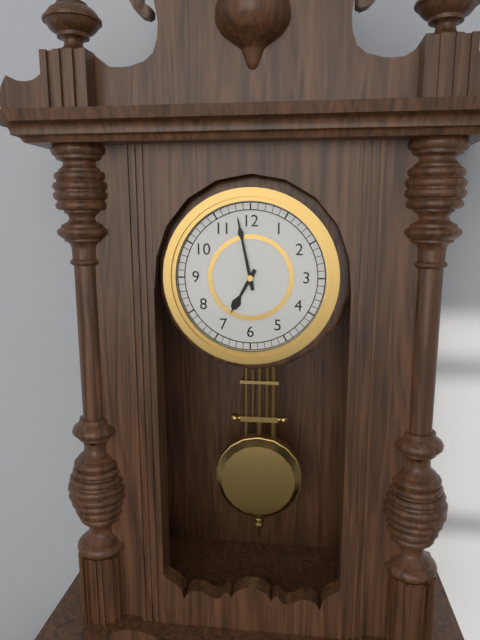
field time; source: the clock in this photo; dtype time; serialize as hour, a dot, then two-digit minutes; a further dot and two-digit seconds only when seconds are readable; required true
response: 6.58
